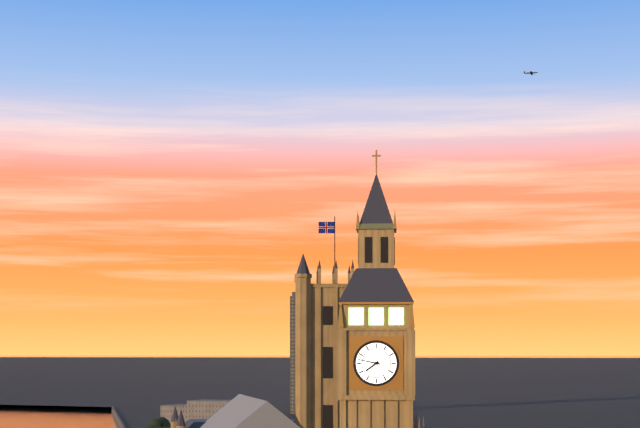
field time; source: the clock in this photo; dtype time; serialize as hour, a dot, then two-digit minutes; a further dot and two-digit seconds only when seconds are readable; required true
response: 7.47
